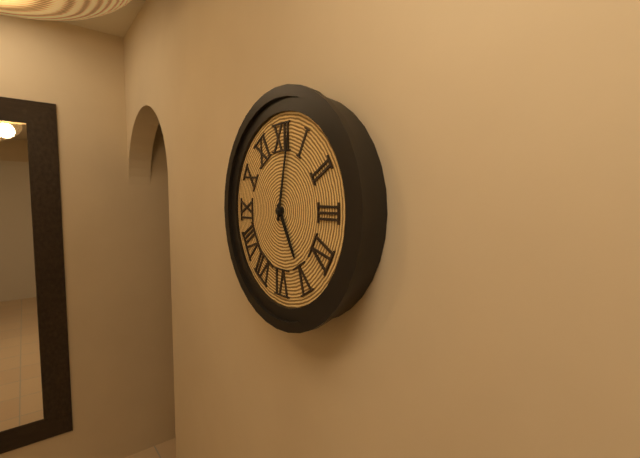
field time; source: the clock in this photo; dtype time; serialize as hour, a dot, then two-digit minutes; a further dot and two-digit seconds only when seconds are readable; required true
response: 5.02
